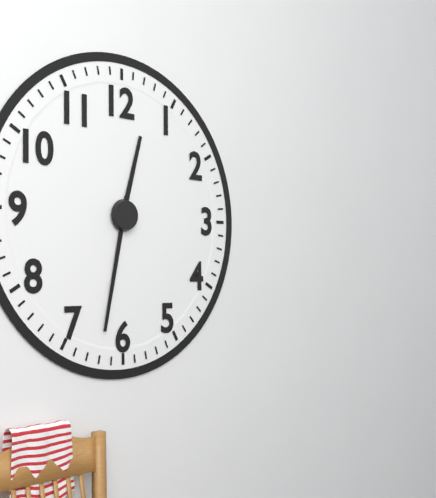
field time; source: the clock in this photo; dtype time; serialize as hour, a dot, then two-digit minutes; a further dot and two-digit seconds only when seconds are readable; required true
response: 12.32
